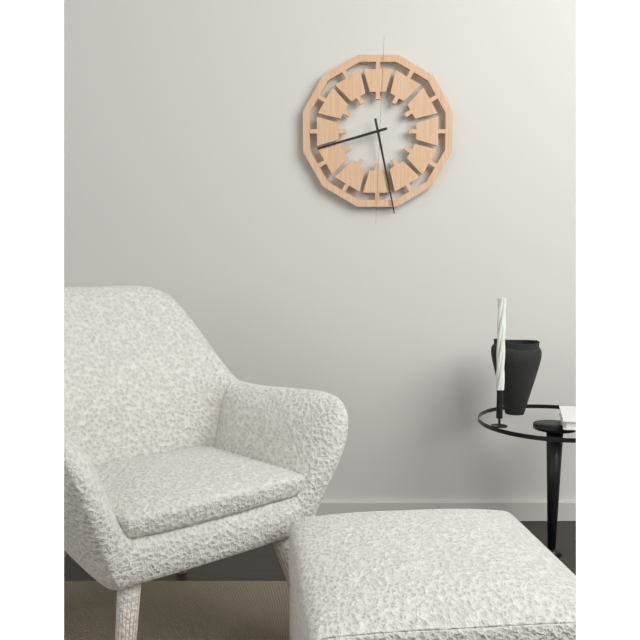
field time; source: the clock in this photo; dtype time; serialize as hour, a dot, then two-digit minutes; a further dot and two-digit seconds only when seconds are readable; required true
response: 8.28
